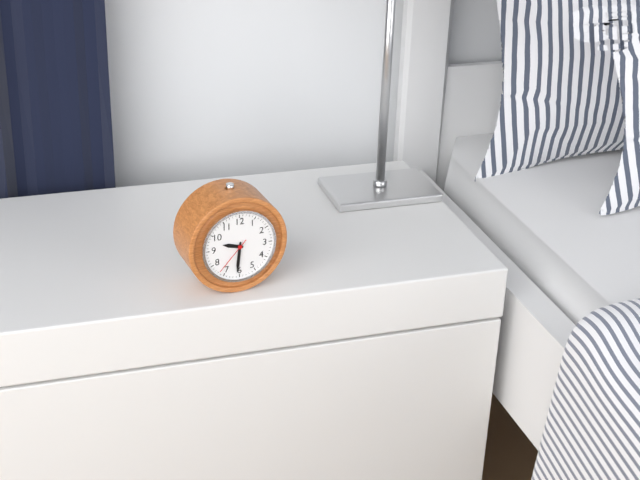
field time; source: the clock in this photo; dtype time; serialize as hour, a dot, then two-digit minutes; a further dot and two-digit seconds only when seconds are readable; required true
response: 9.31
